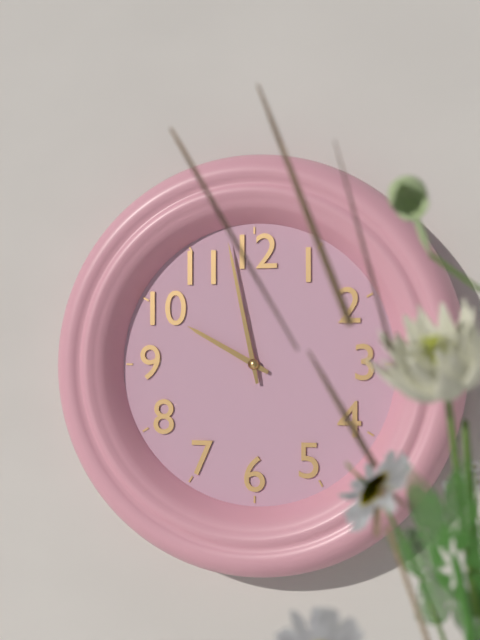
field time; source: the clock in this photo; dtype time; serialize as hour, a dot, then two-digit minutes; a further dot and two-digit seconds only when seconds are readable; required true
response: 9.58
